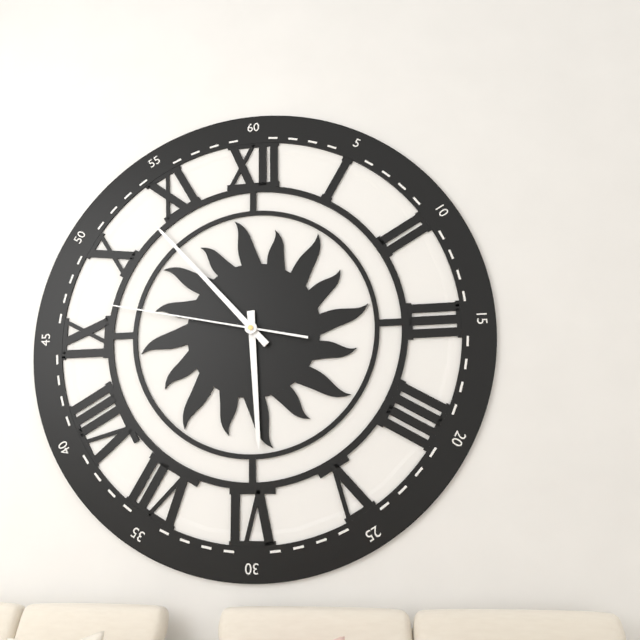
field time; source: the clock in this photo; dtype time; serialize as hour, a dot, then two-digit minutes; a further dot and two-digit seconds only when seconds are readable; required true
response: 5.53.47
